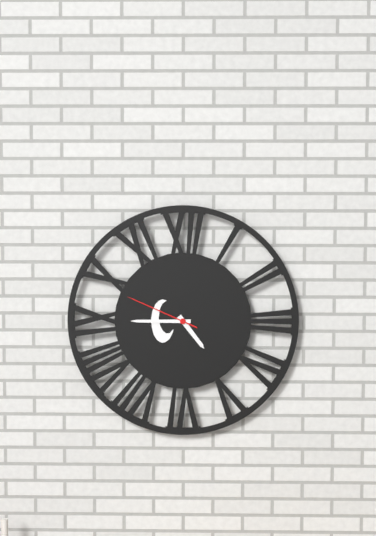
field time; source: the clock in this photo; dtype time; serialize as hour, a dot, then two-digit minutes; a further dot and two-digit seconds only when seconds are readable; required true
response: 4.45.49
